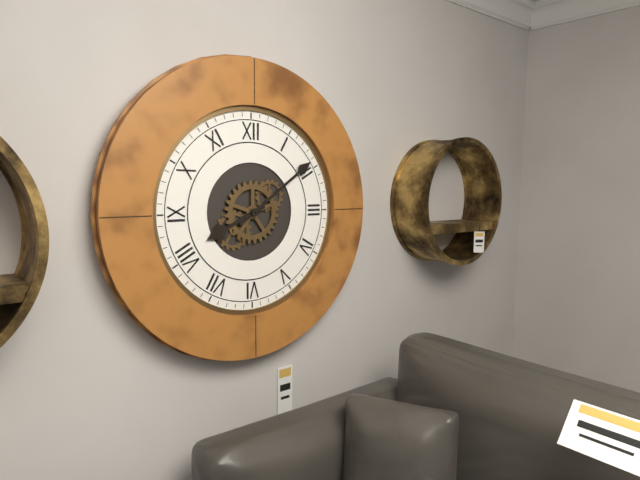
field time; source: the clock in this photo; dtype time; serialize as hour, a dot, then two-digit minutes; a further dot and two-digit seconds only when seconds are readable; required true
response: 8.09
